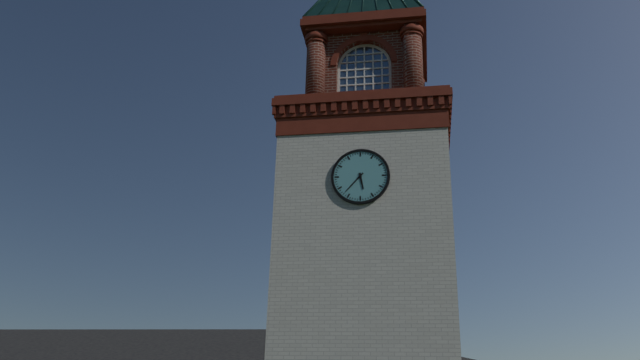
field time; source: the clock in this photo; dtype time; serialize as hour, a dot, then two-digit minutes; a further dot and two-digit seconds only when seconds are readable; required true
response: 5.37
